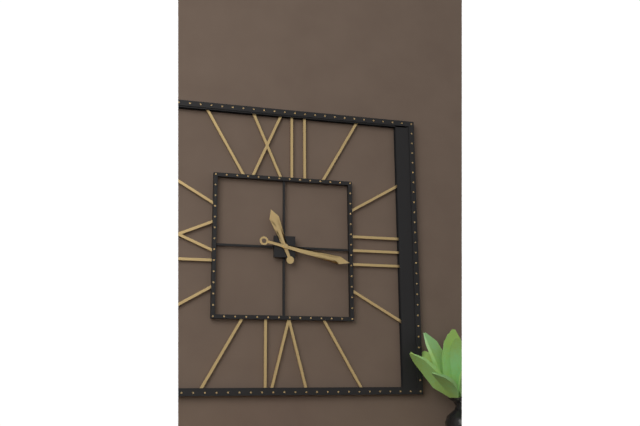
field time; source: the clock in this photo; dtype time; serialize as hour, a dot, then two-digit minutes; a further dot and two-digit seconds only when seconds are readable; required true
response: 11.17
